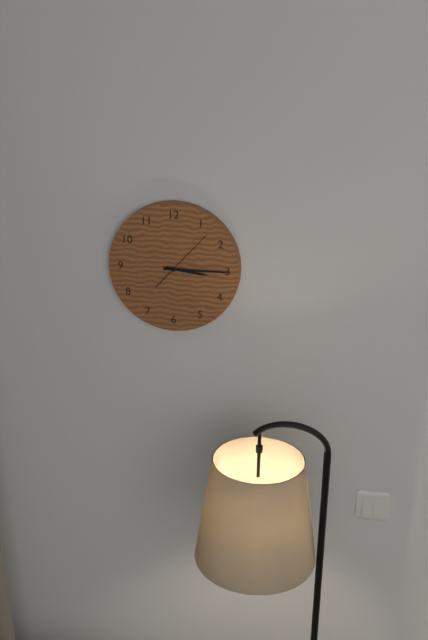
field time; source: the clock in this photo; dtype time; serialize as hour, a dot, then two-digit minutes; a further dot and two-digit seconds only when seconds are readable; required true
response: 3.15.07
